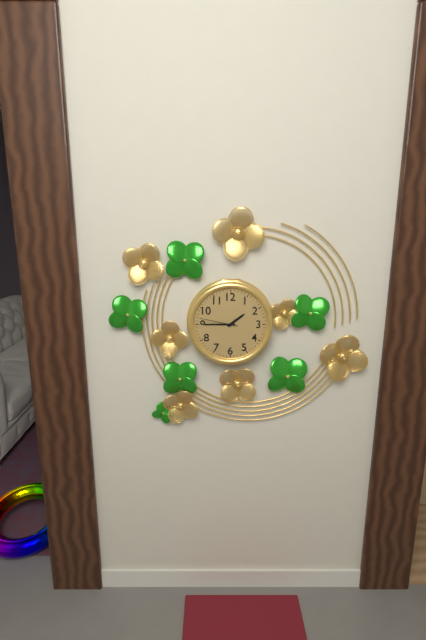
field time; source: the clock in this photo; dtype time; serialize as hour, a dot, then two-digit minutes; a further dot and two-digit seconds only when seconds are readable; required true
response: 1.45
